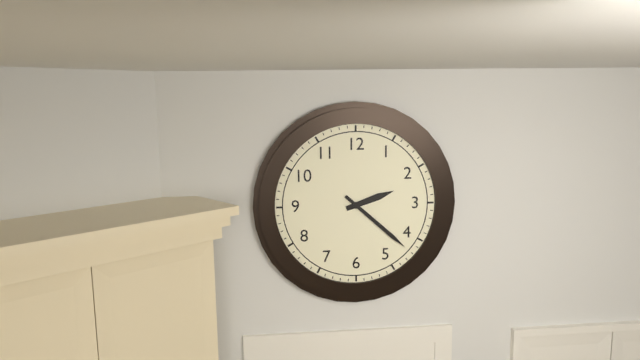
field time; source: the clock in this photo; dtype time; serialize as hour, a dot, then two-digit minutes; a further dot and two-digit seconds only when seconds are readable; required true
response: 2.22
